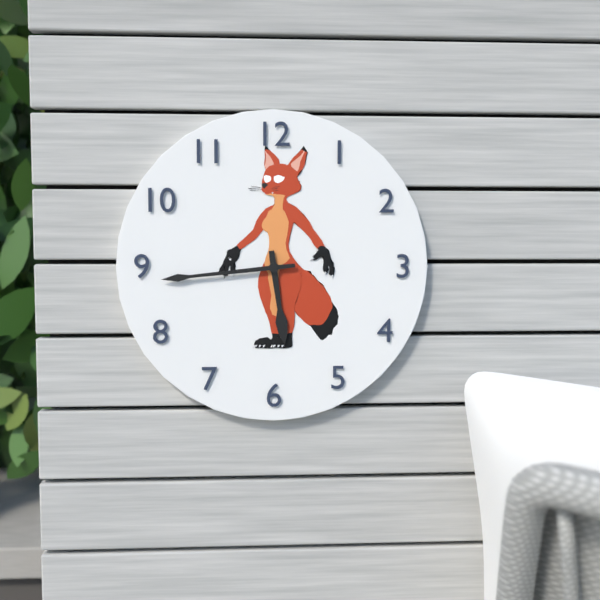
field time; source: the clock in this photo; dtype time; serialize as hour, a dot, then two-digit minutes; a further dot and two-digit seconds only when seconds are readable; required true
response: 5.44
